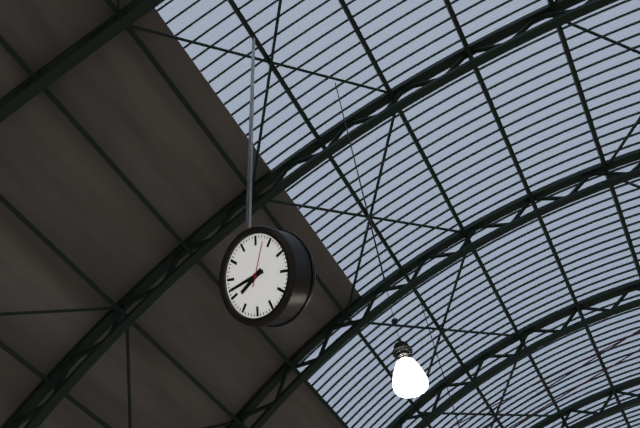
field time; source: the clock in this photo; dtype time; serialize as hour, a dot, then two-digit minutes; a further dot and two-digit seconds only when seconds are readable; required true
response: 8.47
